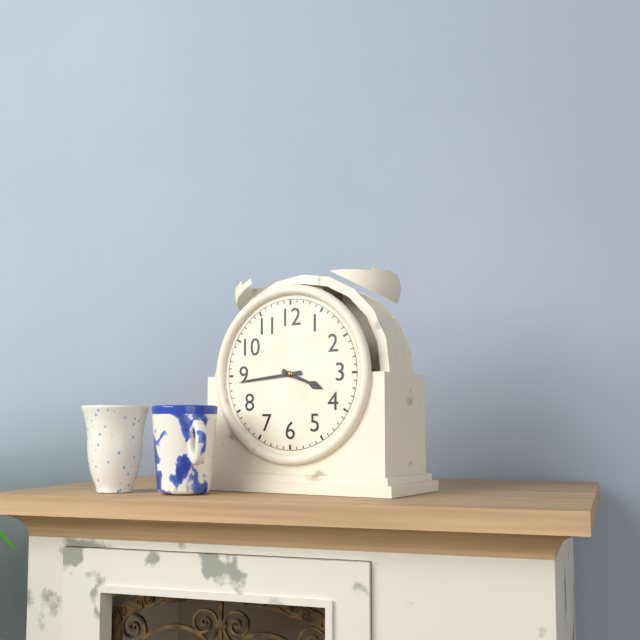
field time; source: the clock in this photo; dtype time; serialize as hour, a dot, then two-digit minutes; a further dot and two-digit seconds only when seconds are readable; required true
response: 3.44
